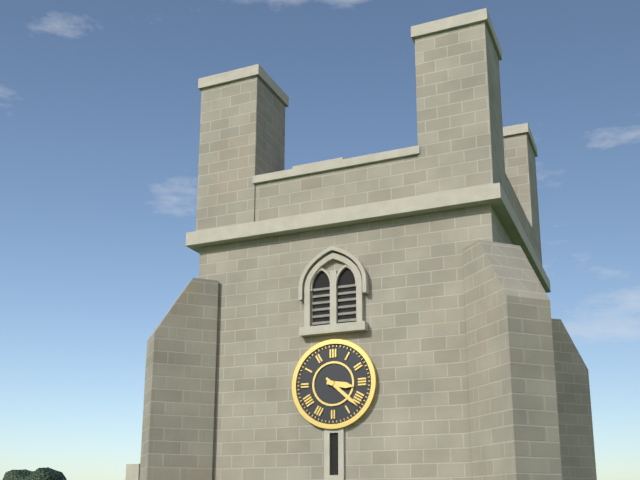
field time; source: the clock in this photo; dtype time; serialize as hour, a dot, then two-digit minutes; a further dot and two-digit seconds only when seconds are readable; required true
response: 3.22
